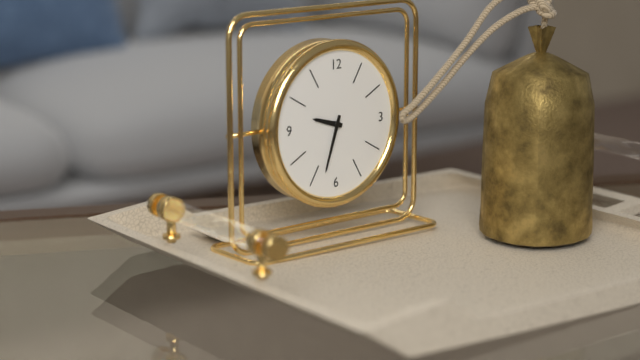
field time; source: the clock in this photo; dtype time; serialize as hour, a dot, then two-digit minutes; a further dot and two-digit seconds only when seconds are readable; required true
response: 9.33
